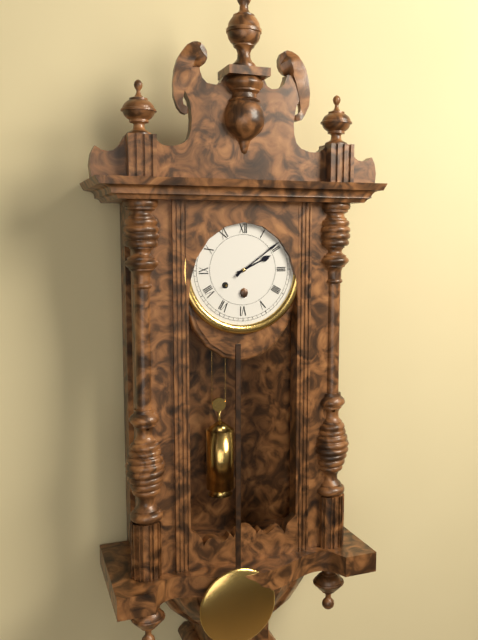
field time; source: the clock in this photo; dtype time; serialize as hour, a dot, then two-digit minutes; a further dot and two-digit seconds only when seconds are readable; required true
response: 2.09
